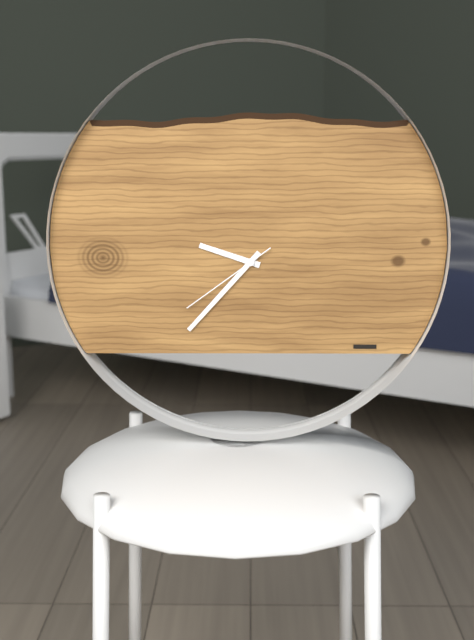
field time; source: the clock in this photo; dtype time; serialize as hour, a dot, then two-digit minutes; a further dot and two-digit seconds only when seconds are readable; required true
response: 9.37.39
